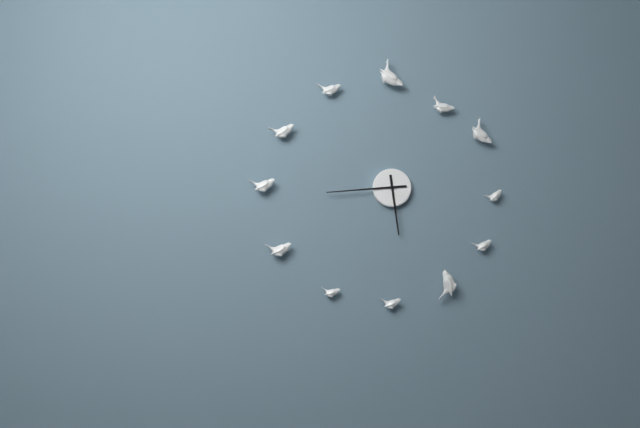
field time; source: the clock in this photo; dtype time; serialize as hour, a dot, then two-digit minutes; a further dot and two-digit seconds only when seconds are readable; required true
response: 5.44
